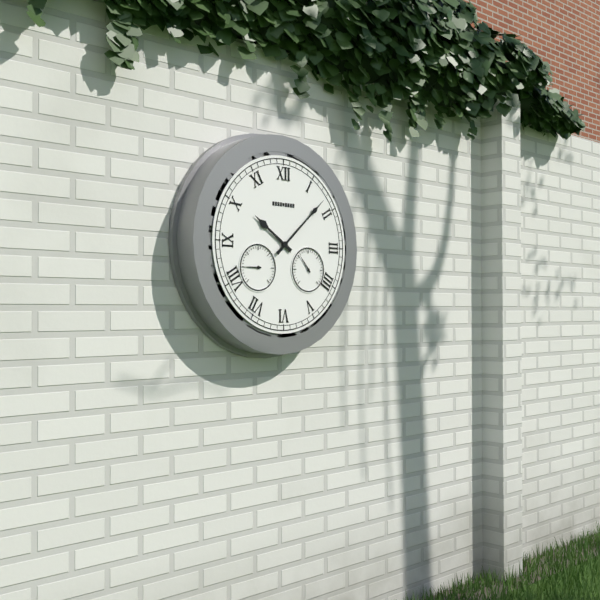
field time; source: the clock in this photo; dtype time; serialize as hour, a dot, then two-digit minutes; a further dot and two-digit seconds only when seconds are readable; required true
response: 10.08
